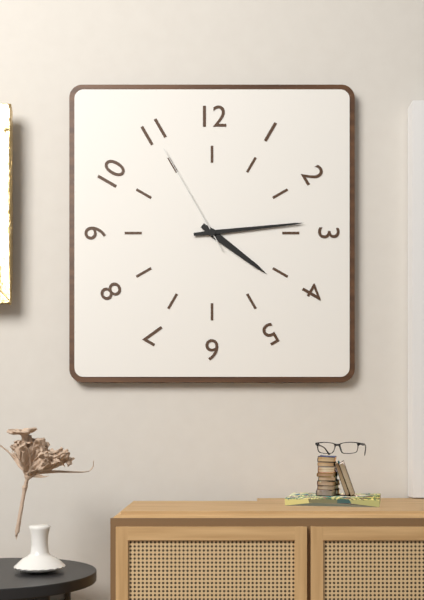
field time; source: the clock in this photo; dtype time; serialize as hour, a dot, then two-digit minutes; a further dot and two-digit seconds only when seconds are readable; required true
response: 4.14.55
